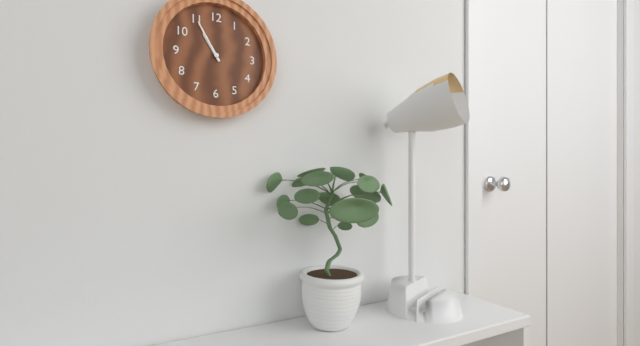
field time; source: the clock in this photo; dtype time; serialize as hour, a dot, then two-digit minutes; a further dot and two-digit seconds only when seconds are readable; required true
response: 10.55
